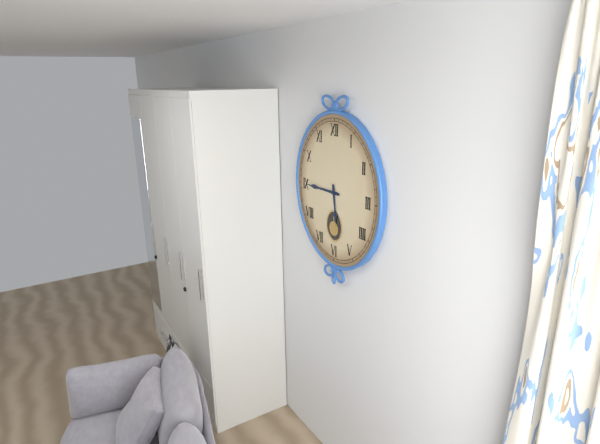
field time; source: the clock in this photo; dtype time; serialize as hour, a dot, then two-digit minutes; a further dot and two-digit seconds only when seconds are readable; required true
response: 5.45
